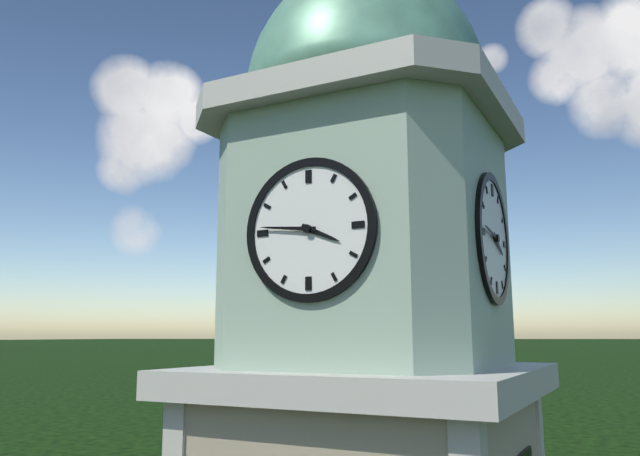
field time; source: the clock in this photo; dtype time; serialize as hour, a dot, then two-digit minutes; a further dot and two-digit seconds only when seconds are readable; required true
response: 3.46
